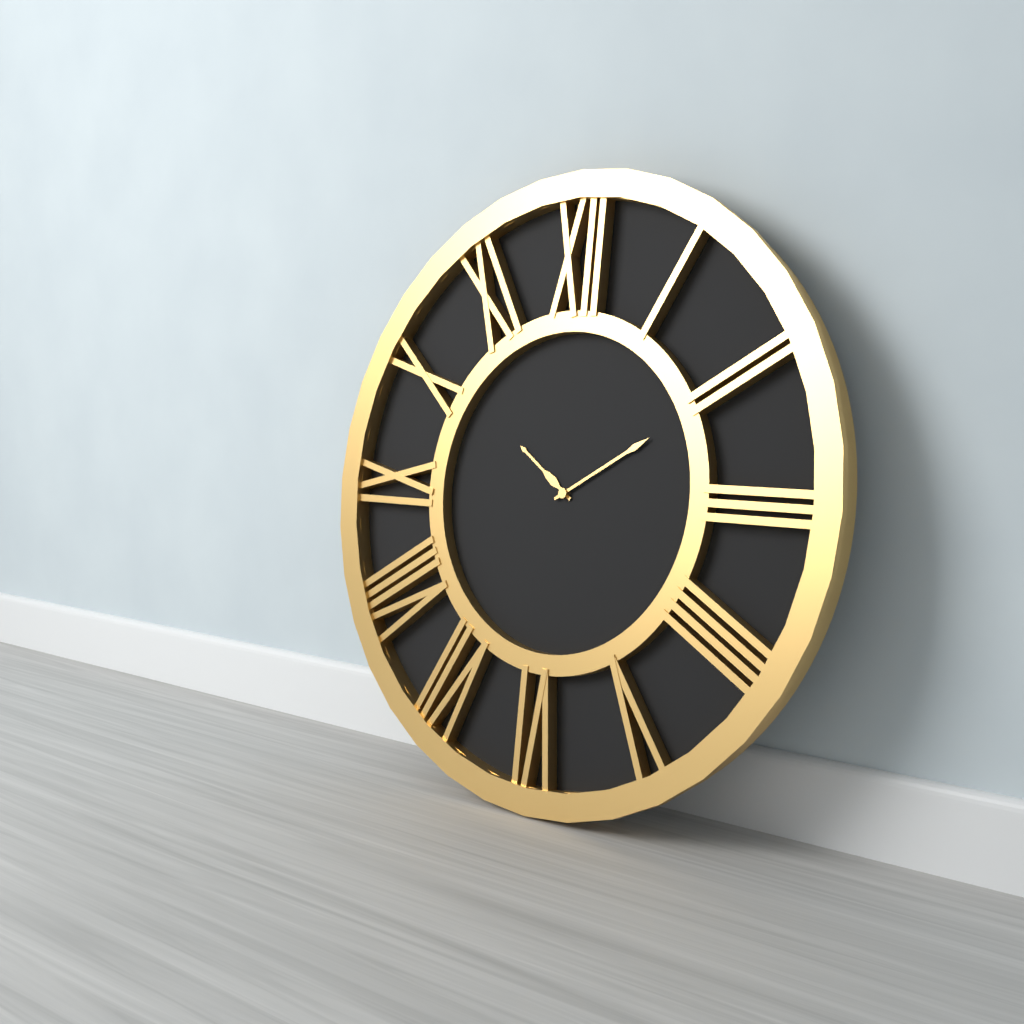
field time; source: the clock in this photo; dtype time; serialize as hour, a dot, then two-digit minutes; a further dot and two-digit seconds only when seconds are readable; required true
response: 10.10
